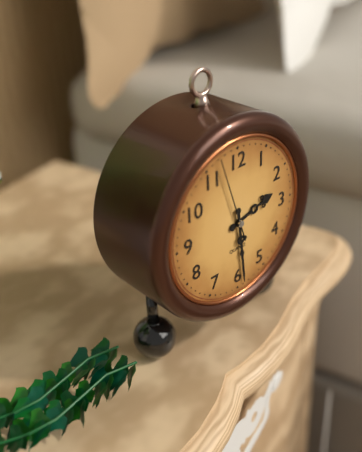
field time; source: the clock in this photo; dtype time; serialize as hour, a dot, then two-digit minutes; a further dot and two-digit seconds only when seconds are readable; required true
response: 2.29.57
